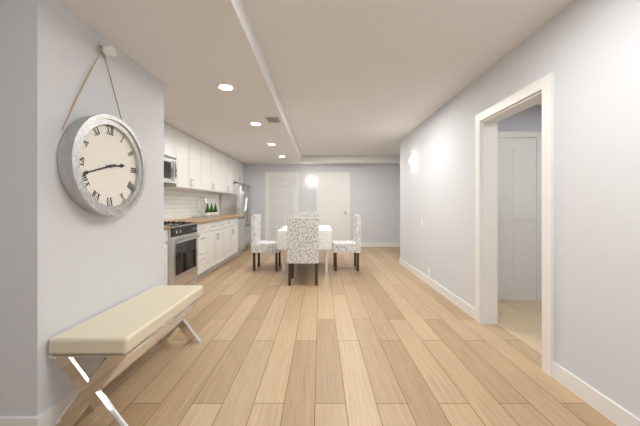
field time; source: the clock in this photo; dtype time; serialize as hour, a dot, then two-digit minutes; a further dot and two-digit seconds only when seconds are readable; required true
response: 2.42
